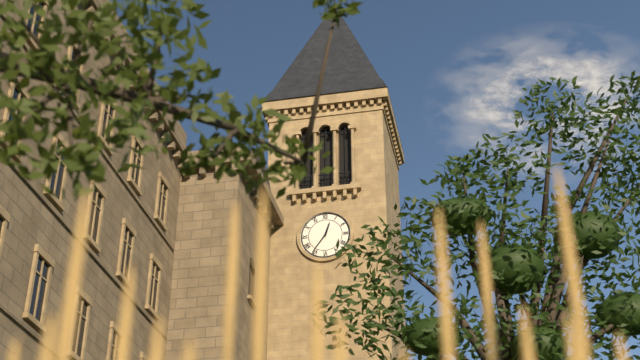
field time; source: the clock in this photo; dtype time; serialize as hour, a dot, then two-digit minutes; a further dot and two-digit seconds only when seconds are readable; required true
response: 12.36
